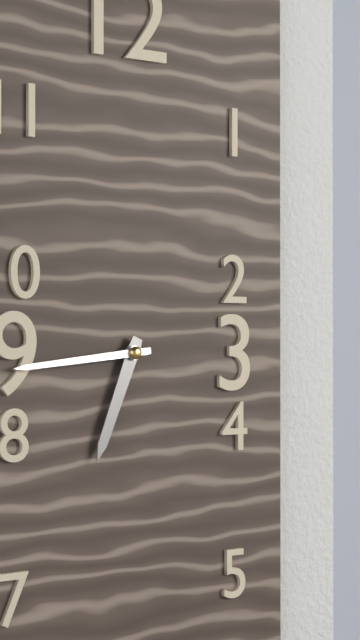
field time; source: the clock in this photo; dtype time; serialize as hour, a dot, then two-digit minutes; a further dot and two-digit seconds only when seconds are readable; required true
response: 6.44
